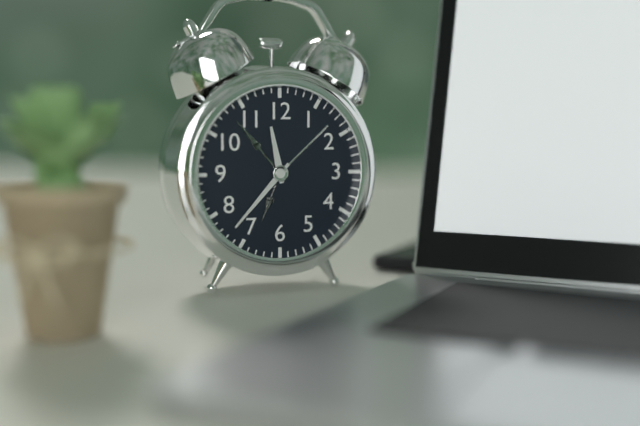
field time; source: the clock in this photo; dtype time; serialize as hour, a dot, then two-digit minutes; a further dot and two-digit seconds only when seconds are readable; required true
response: 11.37
